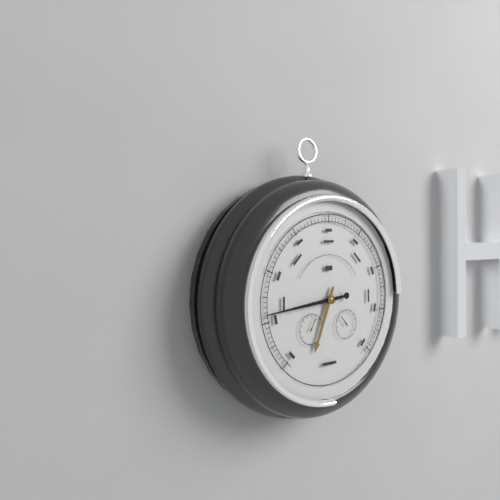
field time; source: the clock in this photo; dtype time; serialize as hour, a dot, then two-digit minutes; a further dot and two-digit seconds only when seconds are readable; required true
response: 6.44
